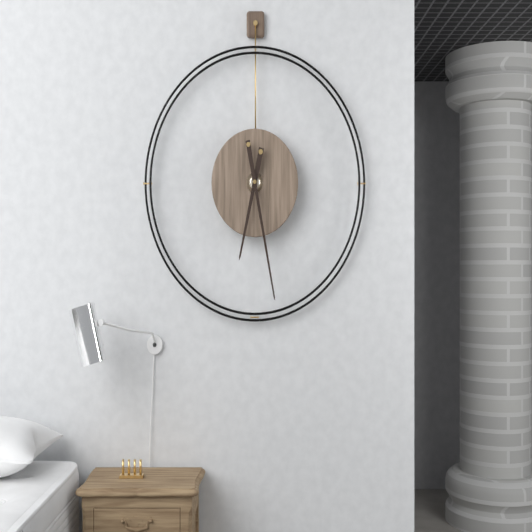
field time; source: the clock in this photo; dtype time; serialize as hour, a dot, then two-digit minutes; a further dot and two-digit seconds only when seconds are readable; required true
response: 6.28
